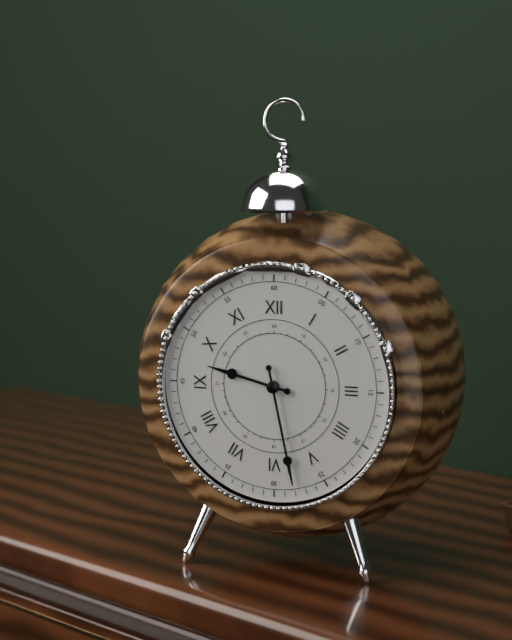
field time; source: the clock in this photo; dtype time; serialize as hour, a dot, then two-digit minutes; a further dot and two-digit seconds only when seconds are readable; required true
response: 9.28
